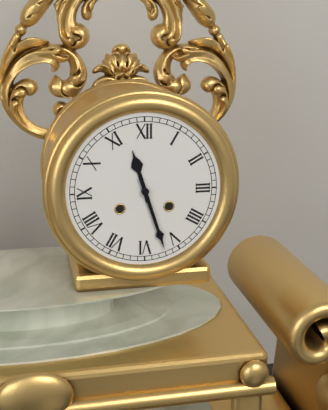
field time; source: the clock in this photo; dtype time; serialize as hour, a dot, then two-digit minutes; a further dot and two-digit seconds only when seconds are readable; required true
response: 11.27
